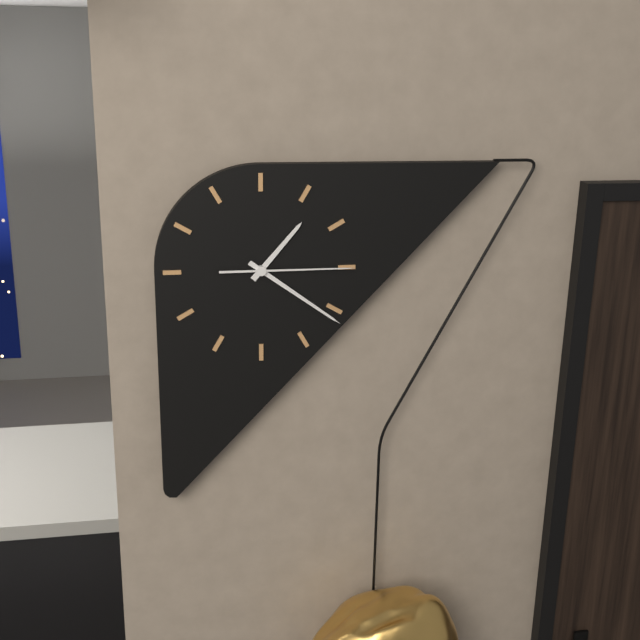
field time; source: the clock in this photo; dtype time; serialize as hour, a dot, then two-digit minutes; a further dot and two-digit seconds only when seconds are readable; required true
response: 1.21.15
